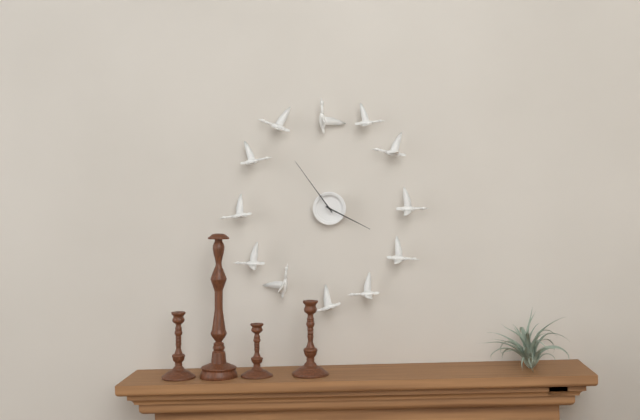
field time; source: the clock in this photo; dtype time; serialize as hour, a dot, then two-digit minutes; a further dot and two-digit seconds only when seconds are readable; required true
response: 3.54
